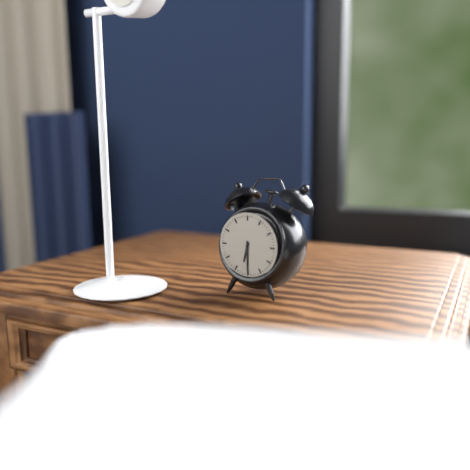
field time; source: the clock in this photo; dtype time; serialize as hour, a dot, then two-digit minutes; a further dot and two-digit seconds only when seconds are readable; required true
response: 6.30
